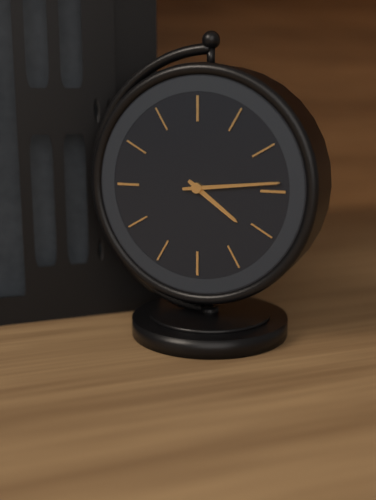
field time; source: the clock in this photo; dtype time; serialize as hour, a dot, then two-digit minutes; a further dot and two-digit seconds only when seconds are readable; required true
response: 4.14
